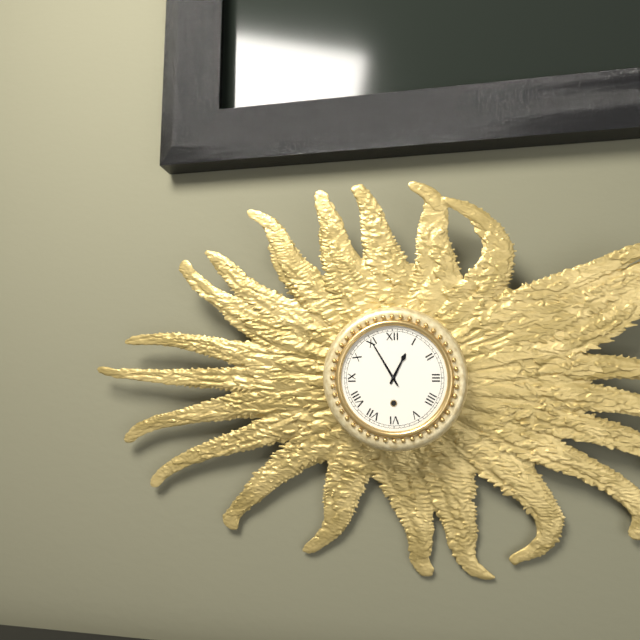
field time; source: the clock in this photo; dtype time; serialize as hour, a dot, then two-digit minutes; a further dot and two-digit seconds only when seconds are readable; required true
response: 12.55
